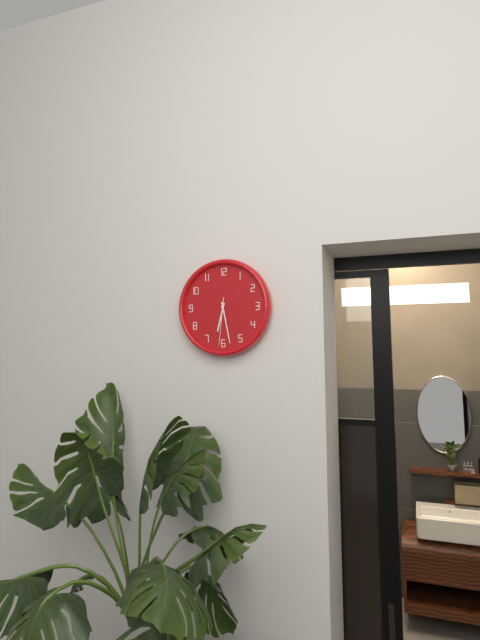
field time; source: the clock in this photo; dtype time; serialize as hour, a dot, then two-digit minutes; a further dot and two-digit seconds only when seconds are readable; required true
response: 6.28
